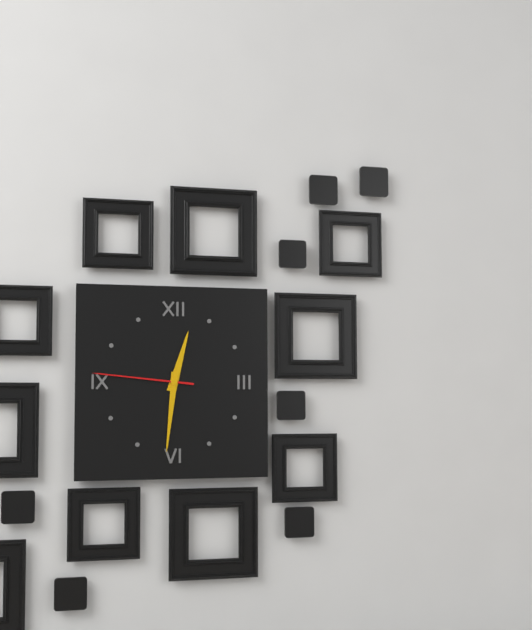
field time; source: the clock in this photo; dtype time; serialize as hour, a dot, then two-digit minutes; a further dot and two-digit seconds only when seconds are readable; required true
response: 12.31.46
